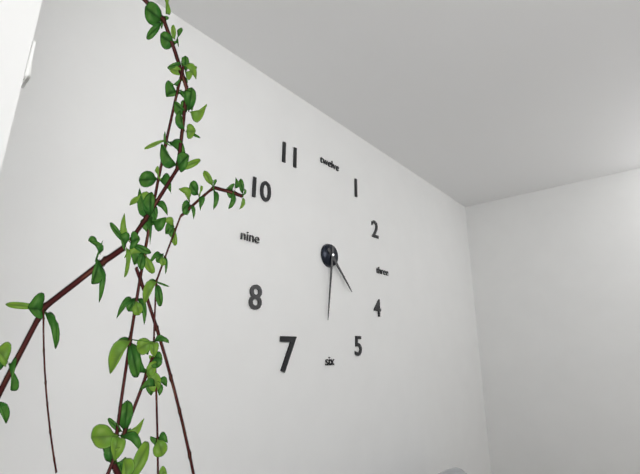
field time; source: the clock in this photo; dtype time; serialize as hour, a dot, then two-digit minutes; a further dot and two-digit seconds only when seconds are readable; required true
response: 4.31
